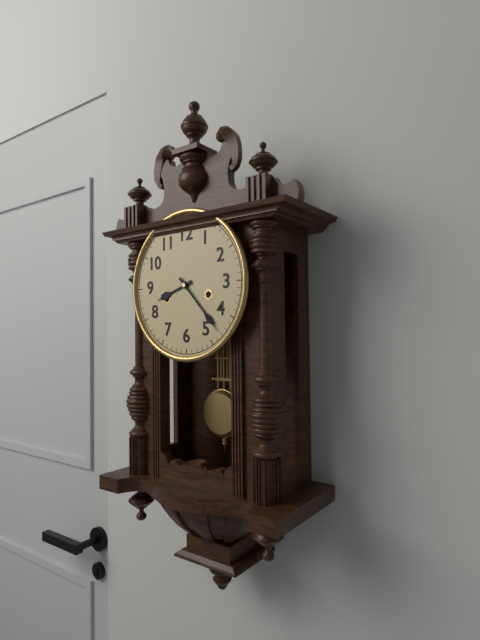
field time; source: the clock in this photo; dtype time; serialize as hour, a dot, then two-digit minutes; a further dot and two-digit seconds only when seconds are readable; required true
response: 8.23
